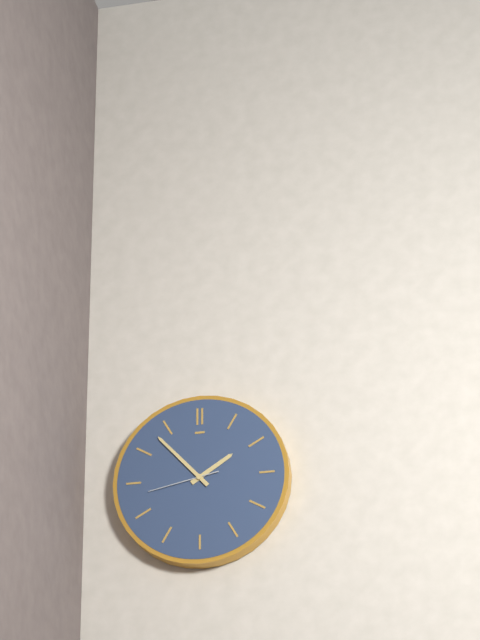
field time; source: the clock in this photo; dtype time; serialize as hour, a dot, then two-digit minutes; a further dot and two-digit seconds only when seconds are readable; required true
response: 1.53.43
